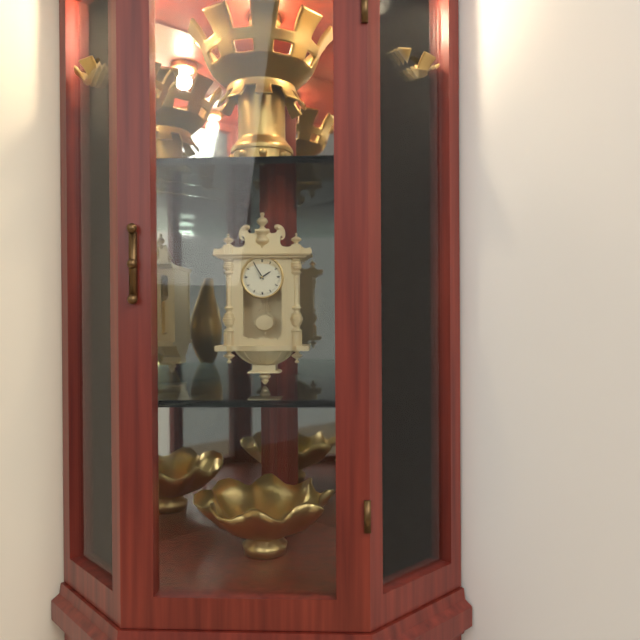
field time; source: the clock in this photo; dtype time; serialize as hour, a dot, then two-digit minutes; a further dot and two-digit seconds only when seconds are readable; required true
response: 1.55
